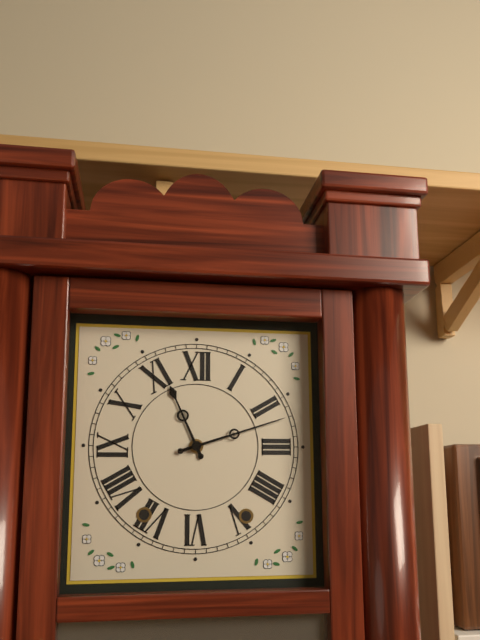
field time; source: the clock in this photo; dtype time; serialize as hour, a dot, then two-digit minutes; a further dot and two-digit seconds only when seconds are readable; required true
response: 11.12
